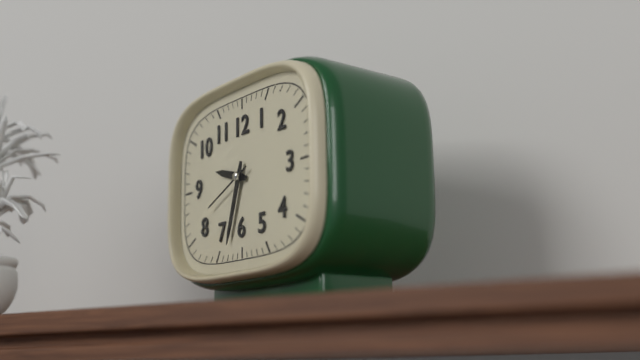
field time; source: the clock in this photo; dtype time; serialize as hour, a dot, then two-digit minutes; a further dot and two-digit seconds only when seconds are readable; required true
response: 9.33.41
